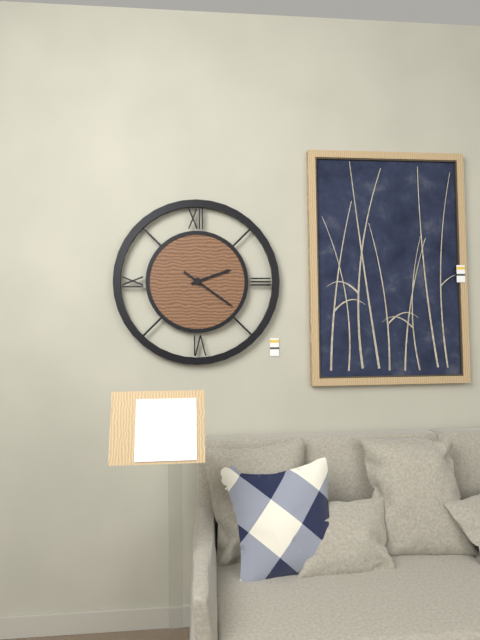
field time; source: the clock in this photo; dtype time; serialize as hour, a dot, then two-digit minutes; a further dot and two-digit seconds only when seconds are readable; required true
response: 2.21
